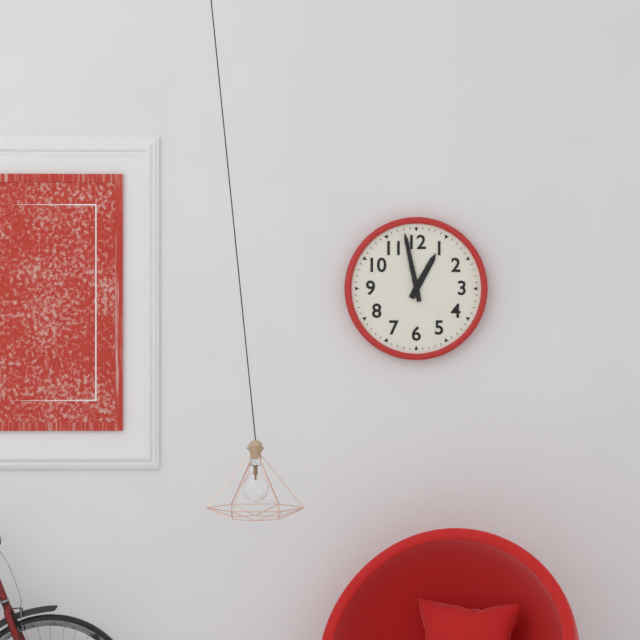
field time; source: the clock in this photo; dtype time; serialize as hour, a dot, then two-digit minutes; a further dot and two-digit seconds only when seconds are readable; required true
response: 12.58
